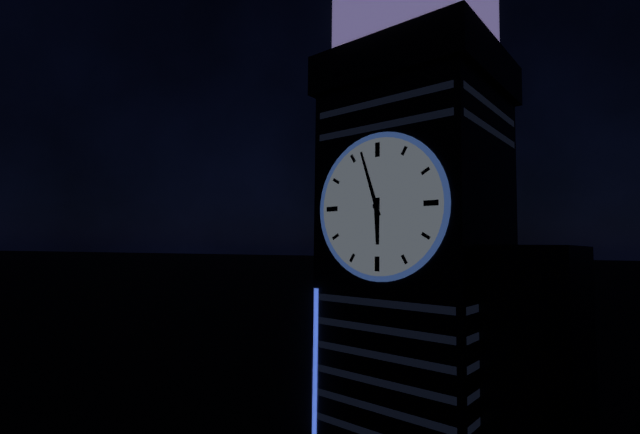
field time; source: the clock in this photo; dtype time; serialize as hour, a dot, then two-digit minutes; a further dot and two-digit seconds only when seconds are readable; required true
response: 5.57
